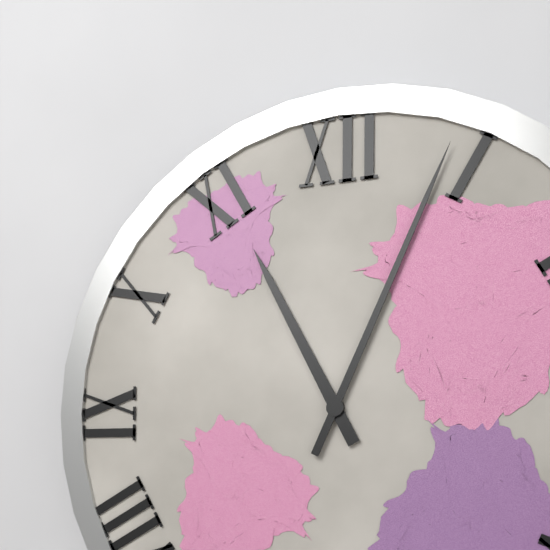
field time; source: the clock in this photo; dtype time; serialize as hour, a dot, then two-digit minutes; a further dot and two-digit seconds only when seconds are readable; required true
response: 11.04
